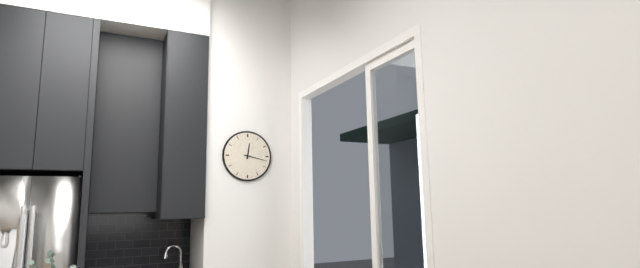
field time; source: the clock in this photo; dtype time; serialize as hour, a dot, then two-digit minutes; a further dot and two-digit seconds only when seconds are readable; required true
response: 12.17
